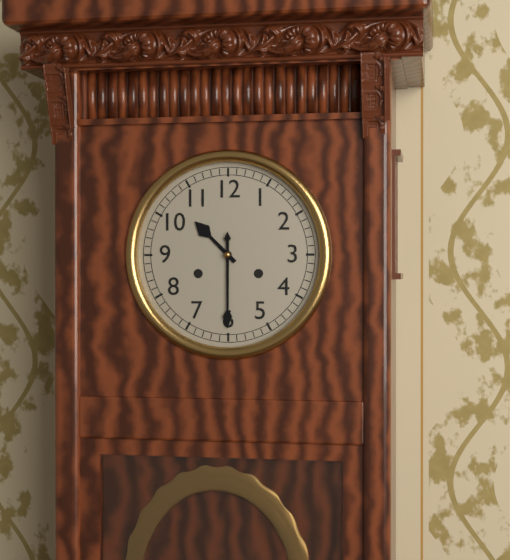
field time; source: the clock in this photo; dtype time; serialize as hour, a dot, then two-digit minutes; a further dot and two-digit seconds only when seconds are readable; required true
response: 10.30
